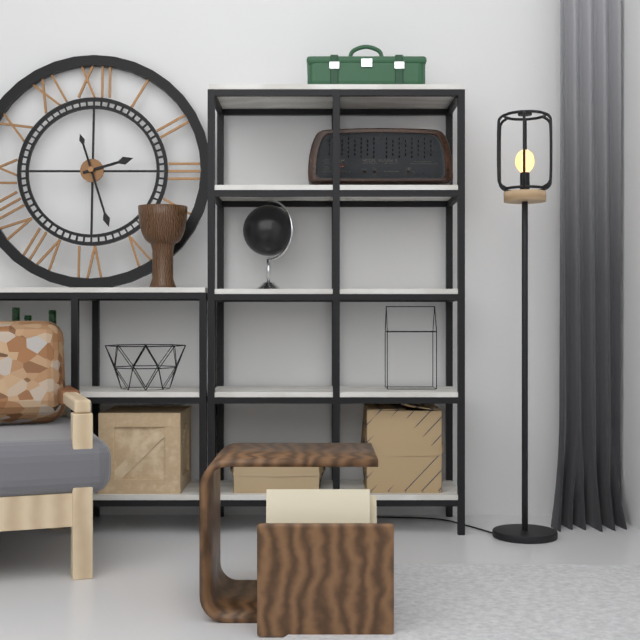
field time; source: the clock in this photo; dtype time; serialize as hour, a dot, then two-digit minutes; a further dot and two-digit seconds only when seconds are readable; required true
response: 2.27
